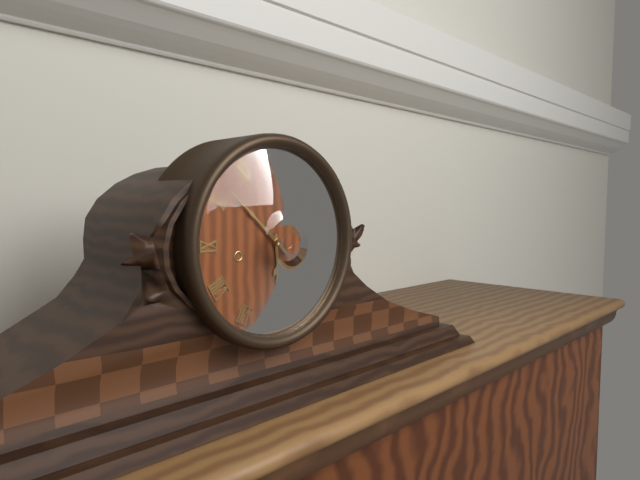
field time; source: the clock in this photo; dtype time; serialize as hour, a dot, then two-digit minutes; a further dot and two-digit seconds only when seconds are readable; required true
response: 5.52
